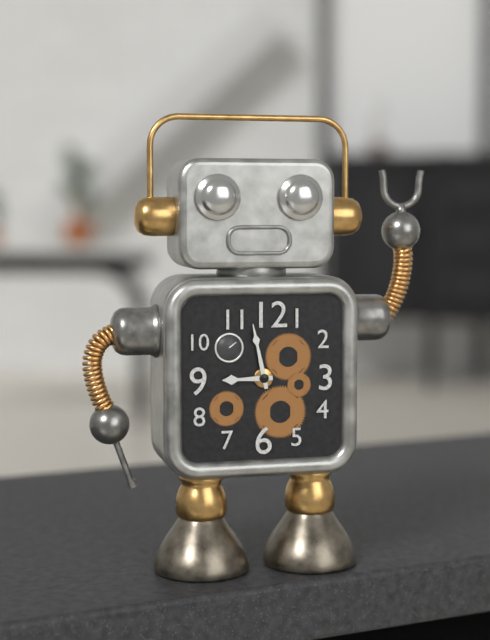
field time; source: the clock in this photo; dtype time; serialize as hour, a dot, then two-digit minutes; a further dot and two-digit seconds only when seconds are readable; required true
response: 8.58
